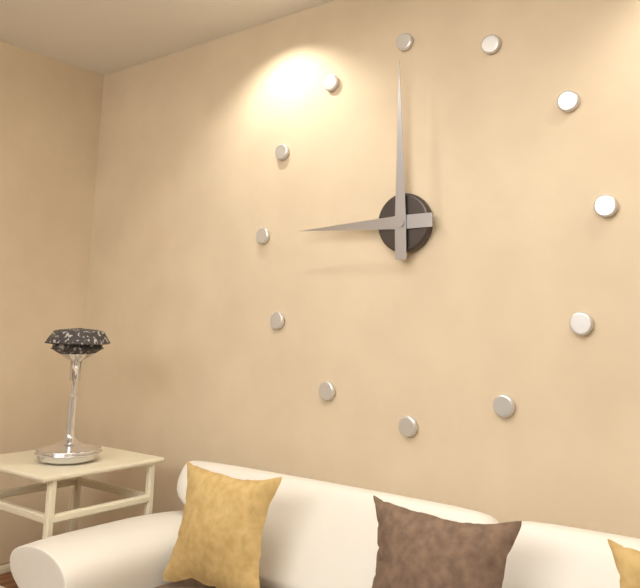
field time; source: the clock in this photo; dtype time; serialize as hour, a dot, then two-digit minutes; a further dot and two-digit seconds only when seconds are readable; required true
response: 9.00
